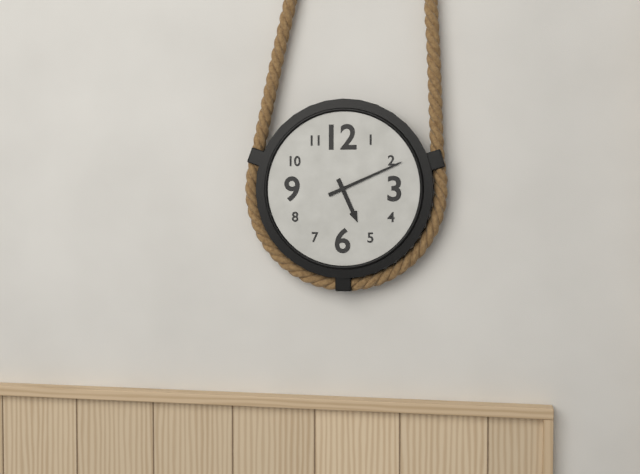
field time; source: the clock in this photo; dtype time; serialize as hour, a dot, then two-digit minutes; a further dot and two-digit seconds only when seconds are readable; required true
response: 5.11
